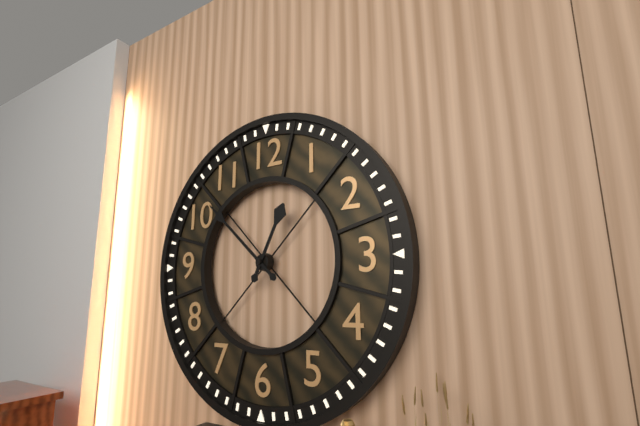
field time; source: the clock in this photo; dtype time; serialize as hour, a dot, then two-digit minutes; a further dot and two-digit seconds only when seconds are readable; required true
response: 12.52
